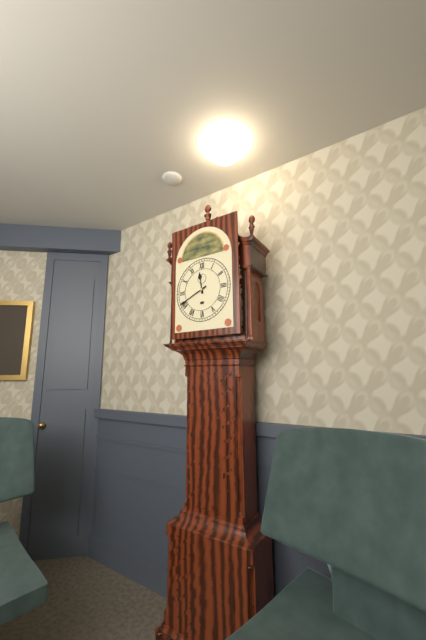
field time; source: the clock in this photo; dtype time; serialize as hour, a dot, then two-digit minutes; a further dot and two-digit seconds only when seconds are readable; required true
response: 11.41
